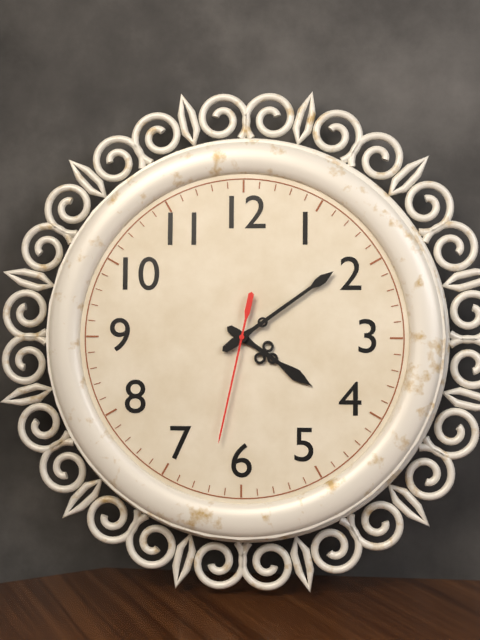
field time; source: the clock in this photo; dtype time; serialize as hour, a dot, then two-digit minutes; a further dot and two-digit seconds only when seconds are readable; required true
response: 4.09.32
